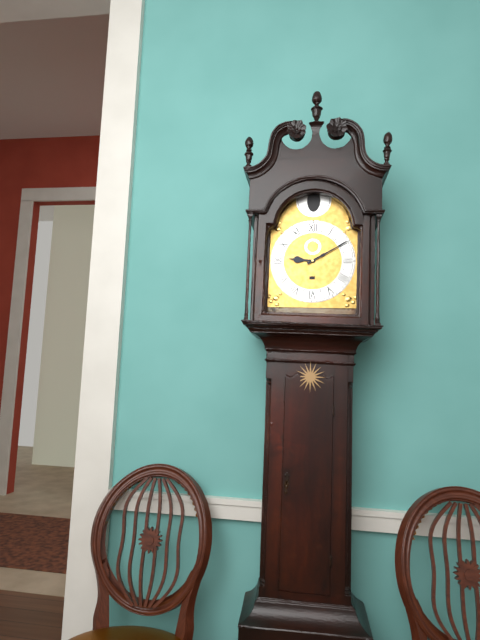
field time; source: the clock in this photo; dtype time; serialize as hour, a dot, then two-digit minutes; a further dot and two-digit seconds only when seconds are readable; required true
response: 9.10
